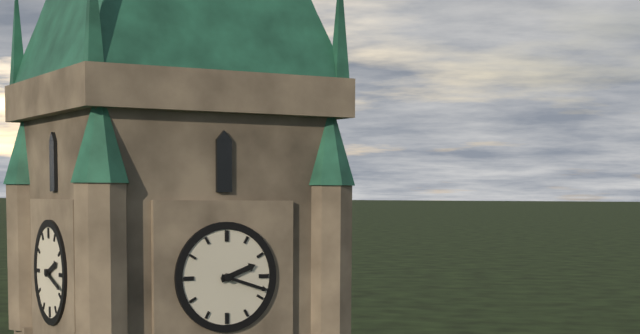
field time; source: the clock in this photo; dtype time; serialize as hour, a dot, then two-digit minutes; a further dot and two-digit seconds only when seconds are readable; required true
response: 2.18
